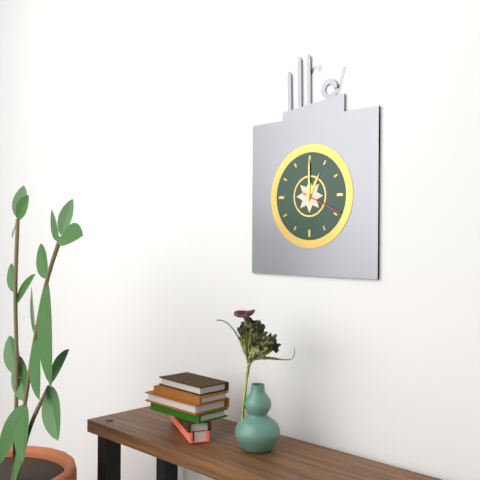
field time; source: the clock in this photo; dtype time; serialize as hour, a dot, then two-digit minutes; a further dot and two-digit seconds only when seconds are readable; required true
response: 1.00
